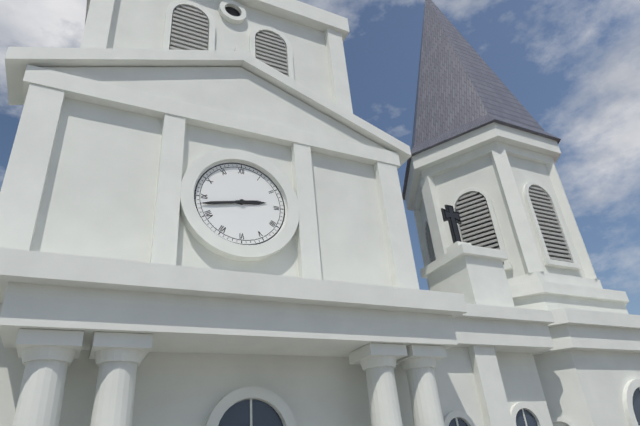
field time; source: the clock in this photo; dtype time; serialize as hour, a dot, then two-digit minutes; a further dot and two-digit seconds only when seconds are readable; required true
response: 2.43
